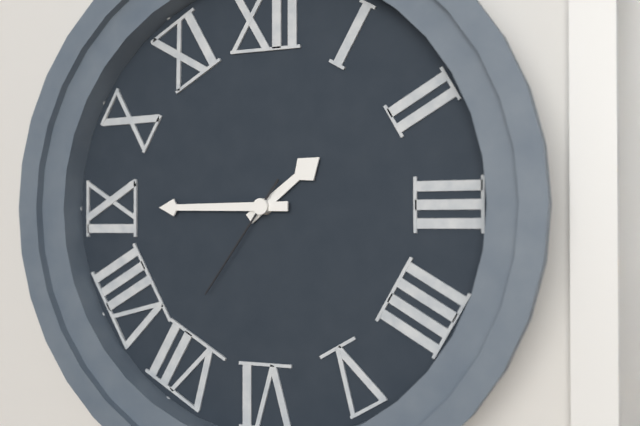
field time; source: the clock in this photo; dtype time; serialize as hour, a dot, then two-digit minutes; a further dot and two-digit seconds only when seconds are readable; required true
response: 1.45.36
